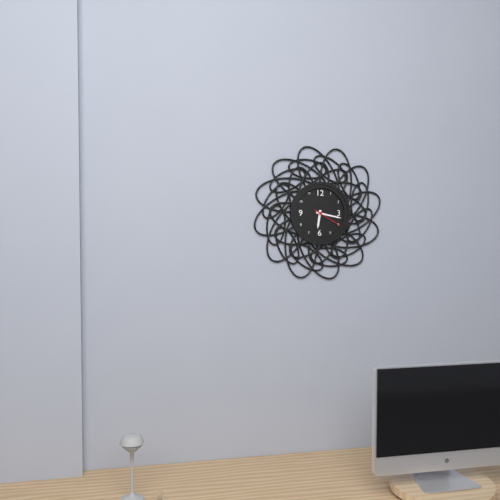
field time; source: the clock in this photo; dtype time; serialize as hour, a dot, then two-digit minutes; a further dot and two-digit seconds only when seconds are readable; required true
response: 6.17
